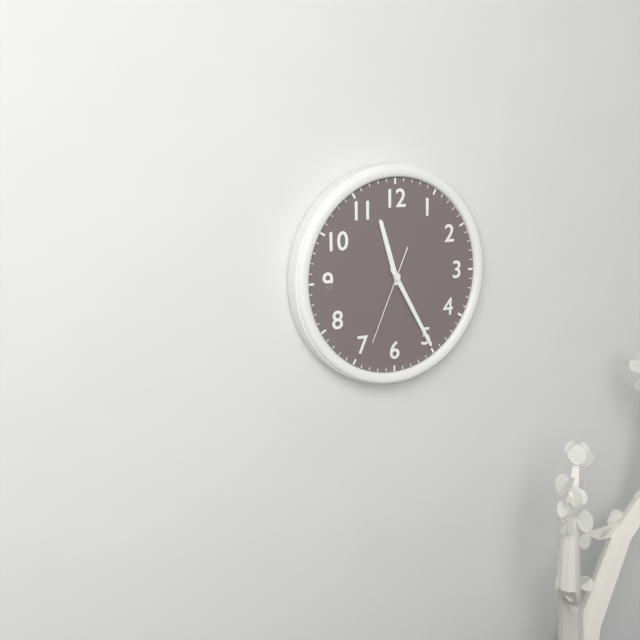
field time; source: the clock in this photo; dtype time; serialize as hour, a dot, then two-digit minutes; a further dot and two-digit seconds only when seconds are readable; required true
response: 11.25.34
